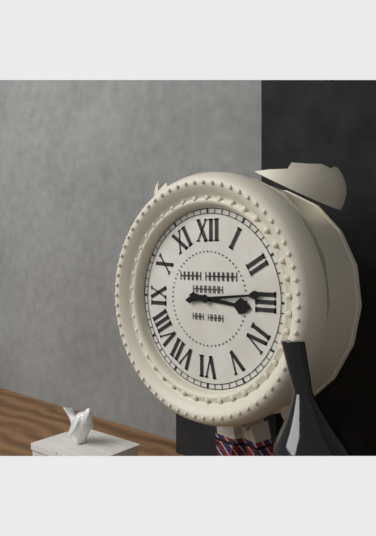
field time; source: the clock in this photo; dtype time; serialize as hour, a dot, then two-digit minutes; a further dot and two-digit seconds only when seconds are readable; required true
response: 3.14
